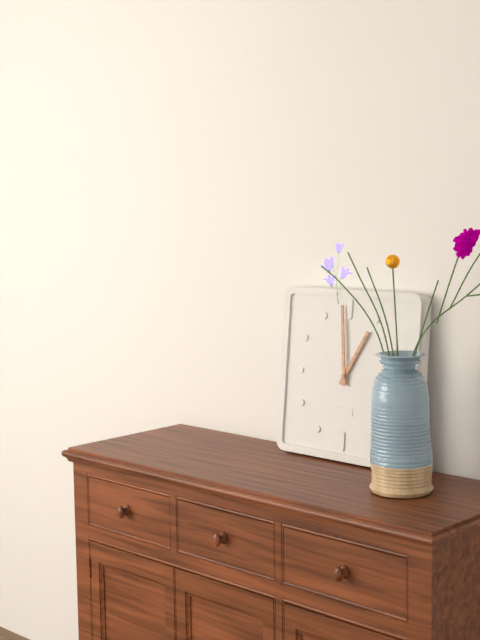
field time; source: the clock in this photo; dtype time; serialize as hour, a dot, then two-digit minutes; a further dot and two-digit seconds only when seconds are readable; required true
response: 12.59
